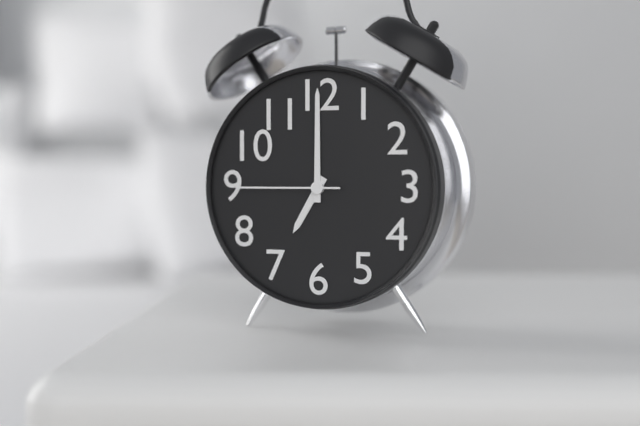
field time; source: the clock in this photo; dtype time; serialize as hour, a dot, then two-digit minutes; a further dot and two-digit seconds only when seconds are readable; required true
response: 7.00.45
